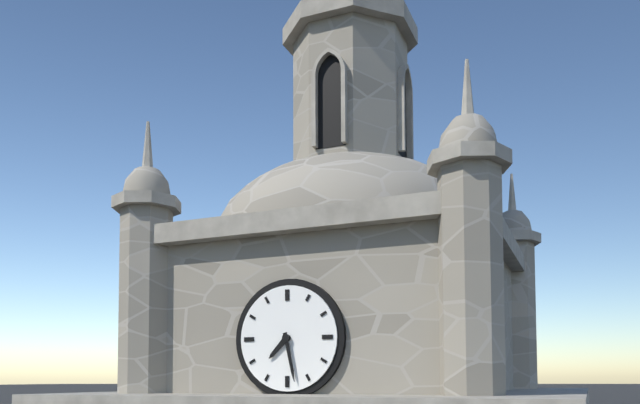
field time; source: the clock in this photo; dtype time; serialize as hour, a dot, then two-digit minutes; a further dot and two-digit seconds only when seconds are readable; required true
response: 7.28
